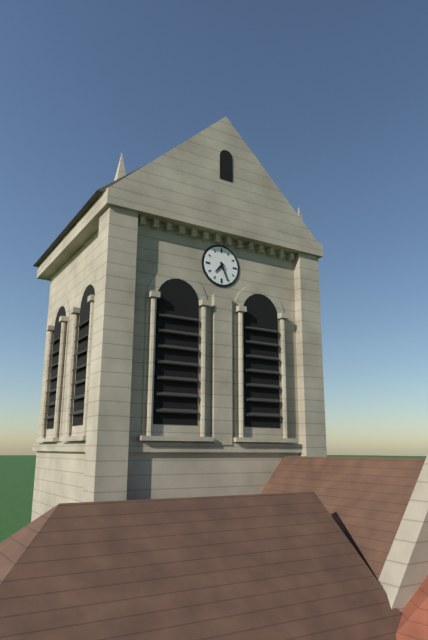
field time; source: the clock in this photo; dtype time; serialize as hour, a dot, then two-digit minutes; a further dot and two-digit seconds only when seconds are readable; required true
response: 7.26
